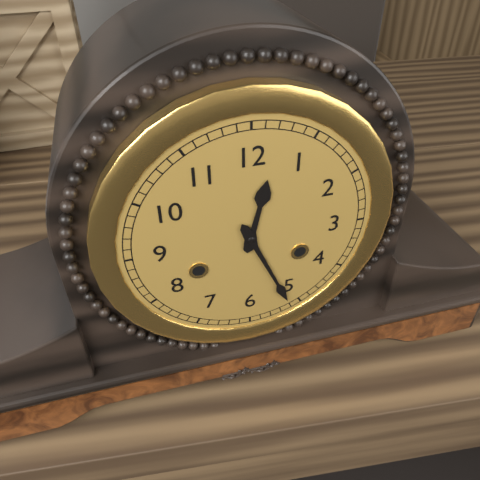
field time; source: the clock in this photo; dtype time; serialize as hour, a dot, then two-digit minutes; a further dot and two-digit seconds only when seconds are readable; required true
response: 12.26
